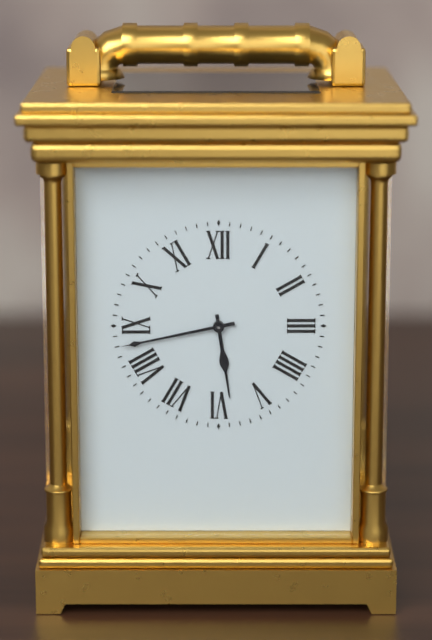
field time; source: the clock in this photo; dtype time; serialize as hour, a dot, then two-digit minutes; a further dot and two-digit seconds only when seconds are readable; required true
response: 5.43
